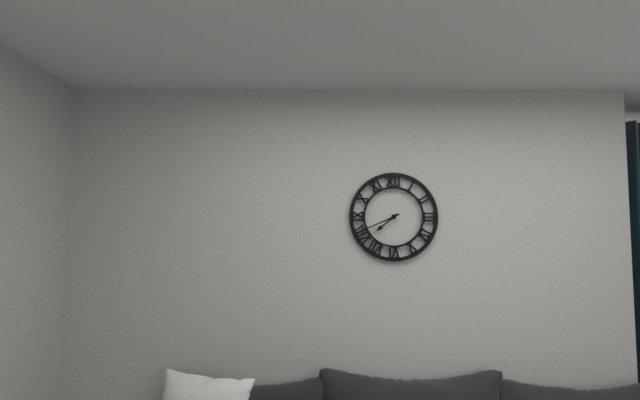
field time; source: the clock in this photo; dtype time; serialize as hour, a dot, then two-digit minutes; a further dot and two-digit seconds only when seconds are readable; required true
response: 7.41
